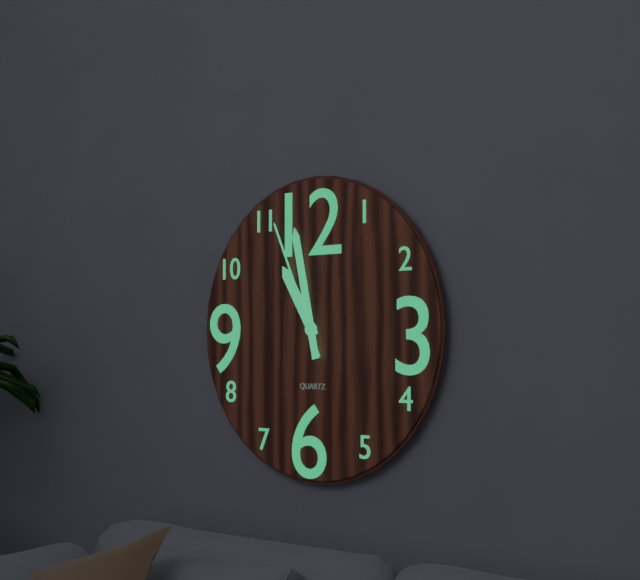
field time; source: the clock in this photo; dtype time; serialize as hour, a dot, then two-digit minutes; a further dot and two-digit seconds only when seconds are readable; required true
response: 10.58.56
